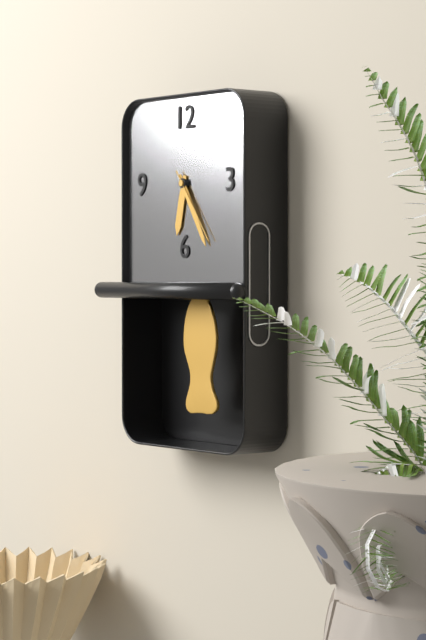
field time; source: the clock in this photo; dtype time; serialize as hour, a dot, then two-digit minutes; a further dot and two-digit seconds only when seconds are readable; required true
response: 6.25.24
